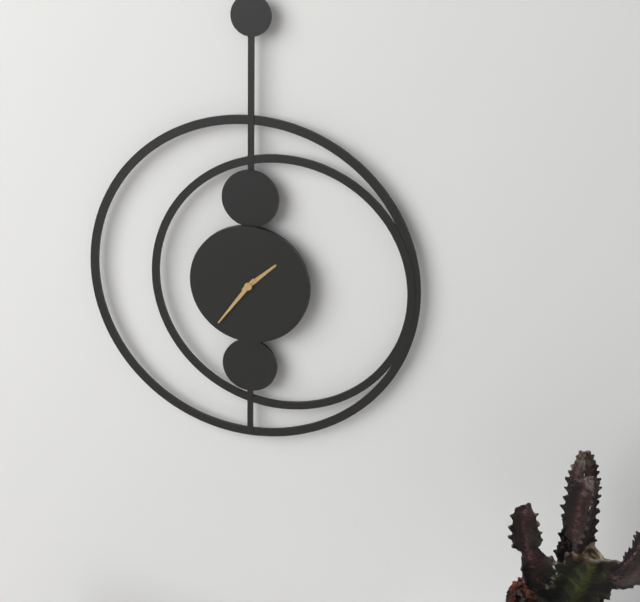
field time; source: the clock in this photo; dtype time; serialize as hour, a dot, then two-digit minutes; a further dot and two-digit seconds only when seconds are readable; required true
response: 1.36
